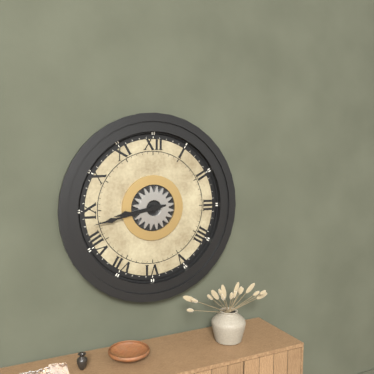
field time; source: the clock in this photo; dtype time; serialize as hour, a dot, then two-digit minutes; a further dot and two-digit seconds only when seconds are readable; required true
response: 8.43
